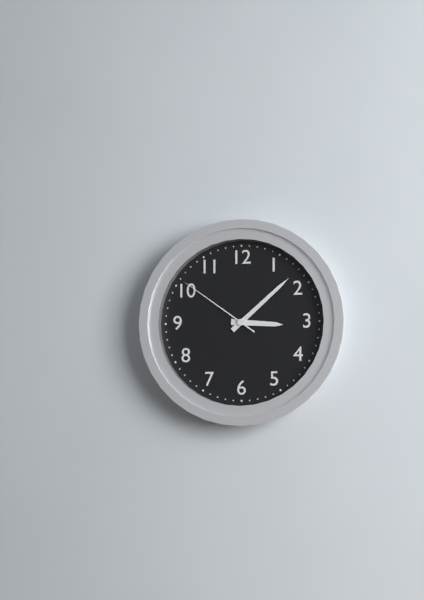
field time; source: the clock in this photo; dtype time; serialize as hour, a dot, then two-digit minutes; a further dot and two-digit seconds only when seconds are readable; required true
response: 3.08.51
